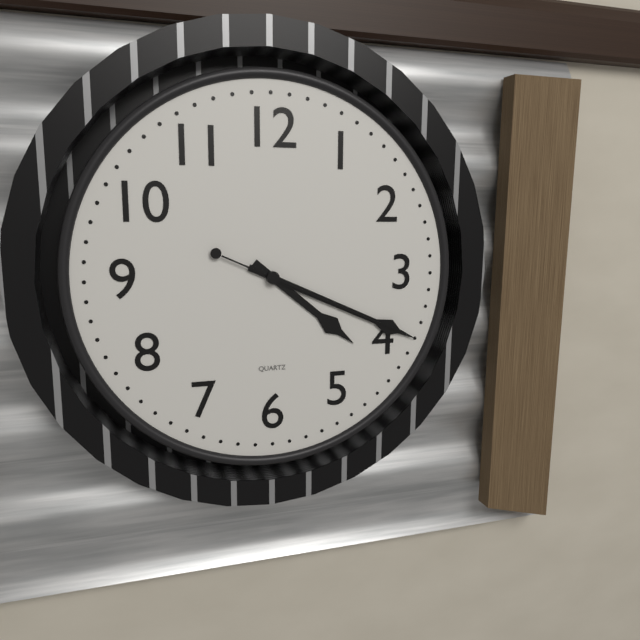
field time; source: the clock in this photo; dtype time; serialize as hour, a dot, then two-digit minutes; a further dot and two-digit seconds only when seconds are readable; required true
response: 4.19.19
